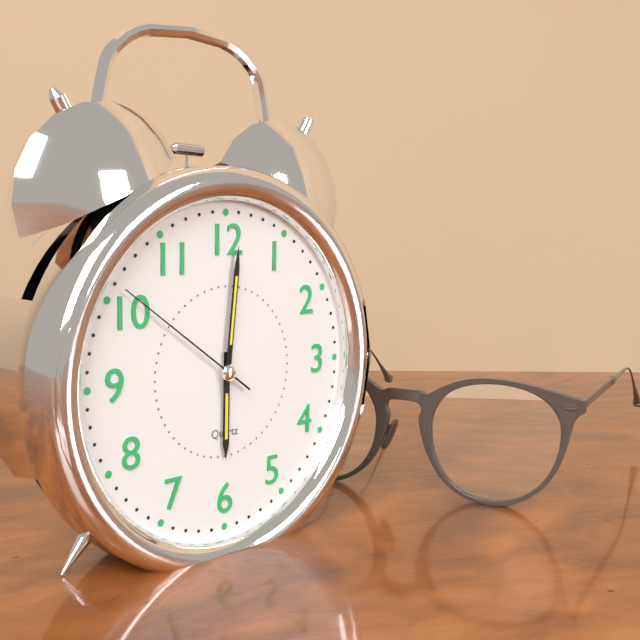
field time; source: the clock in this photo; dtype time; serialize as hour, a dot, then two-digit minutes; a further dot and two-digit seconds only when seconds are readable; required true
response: 6.01.51
